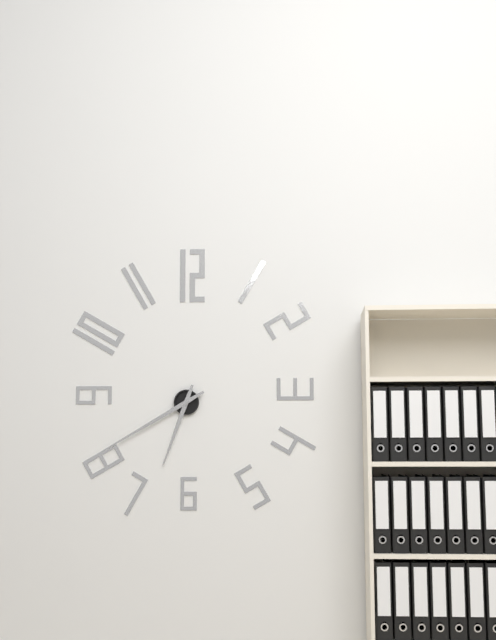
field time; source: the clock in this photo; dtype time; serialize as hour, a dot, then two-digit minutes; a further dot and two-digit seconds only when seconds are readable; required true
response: 6.40
